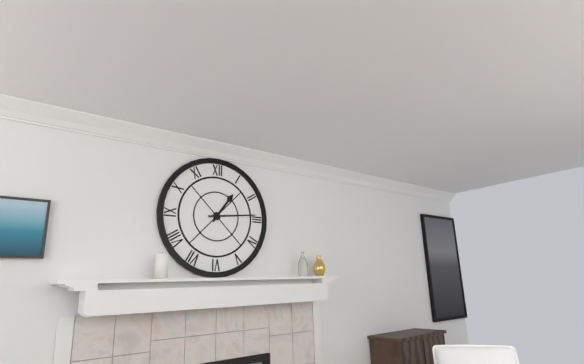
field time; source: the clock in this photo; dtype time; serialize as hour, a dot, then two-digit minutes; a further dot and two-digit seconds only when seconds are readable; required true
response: 1.14
